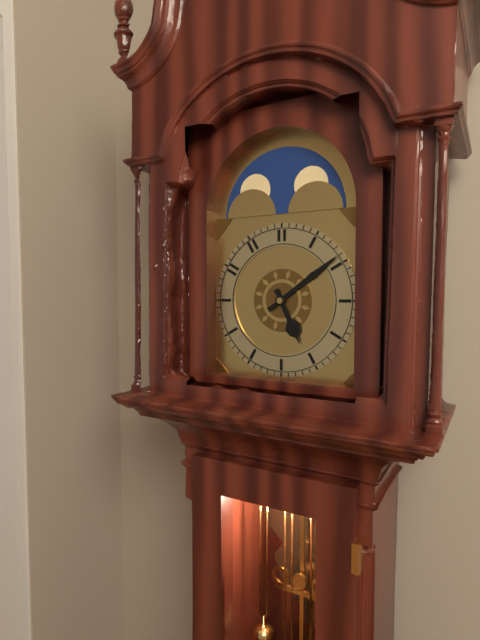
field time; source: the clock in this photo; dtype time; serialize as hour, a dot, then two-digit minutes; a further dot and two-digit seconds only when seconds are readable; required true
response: 5.09
